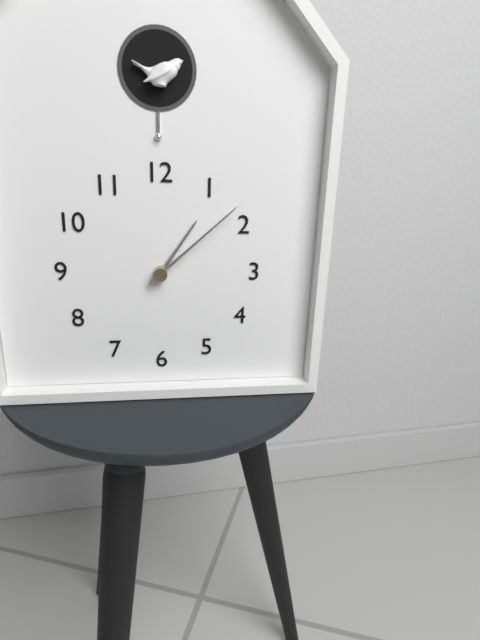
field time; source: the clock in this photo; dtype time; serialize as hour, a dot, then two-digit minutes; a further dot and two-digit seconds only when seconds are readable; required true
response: 1.08
